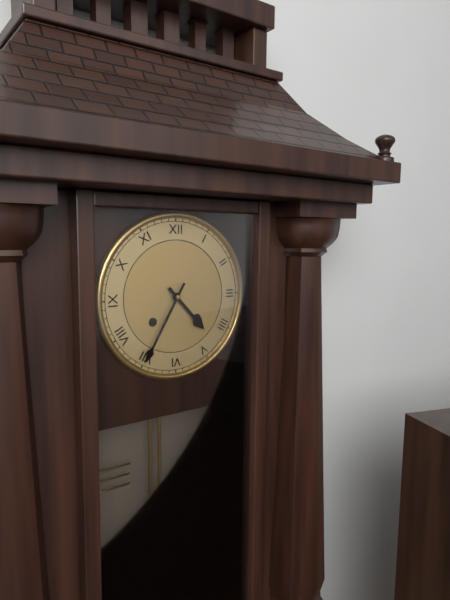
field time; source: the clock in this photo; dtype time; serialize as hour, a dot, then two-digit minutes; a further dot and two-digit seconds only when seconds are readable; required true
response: 4.35
